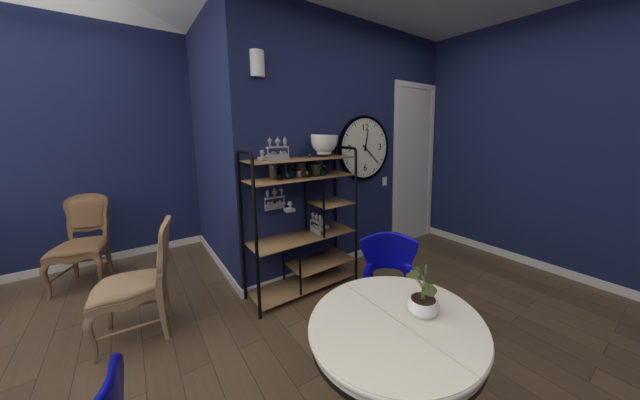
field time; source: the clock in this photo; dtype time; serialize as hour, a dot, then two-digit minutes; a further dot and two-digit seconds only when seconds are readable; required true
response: 12.22
